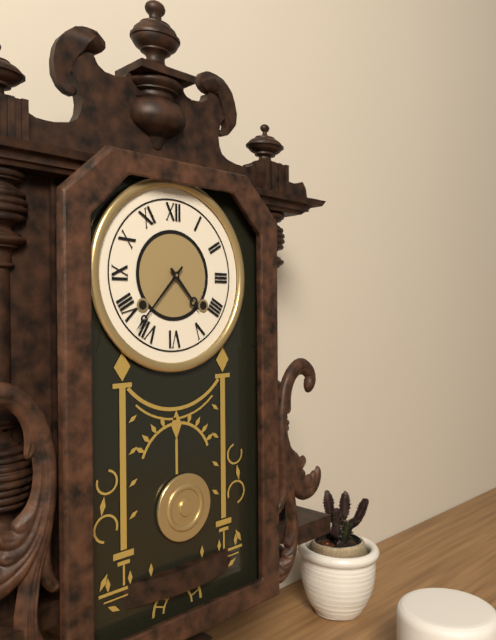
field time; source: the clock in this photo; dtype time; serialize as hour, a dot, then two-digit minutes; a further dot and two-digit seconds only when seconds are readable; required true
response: 4.37
